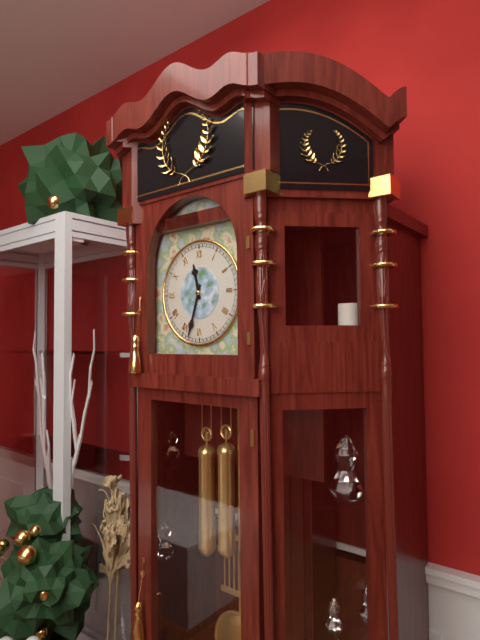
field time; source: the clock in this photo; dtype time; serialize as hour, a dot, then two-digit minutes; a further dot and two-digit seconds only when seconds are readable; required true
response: 11.33
